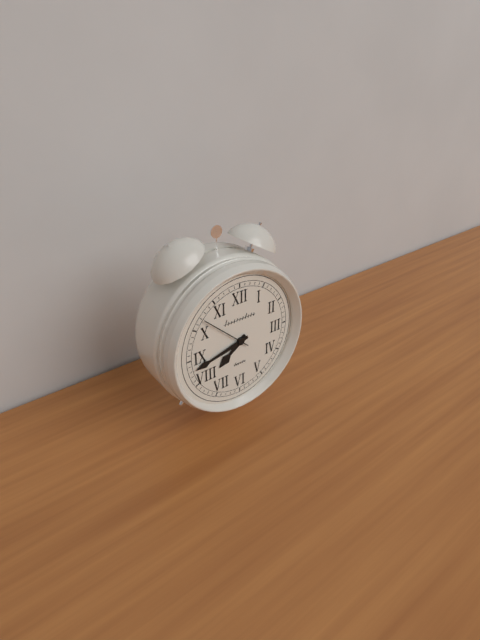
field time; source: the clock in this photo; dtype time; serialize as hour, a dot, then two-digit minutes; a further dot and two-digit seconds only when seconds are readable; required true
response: 7.43.52
